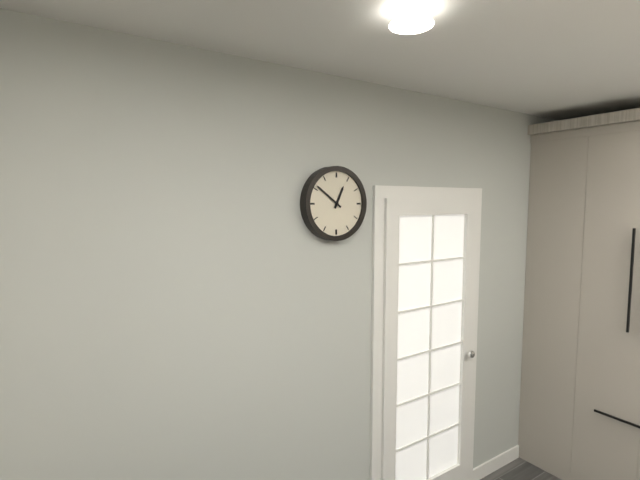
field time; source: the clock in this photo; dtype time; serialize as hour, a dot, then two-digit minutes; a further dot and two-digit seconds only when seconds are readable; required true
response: 12.51
